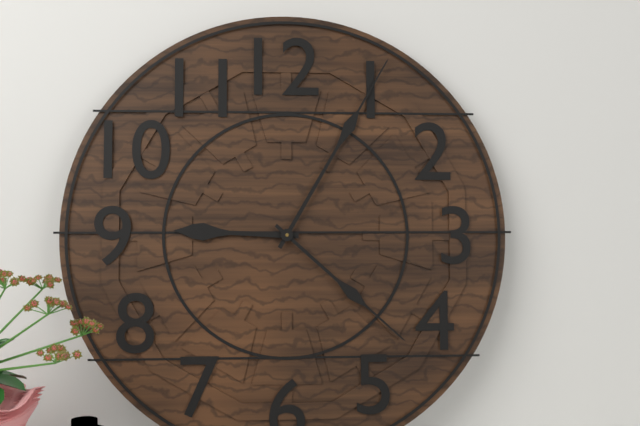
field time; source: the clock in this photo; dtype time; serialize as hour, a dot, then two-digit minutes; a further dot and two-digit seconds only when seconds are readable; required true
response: 9.05.22
